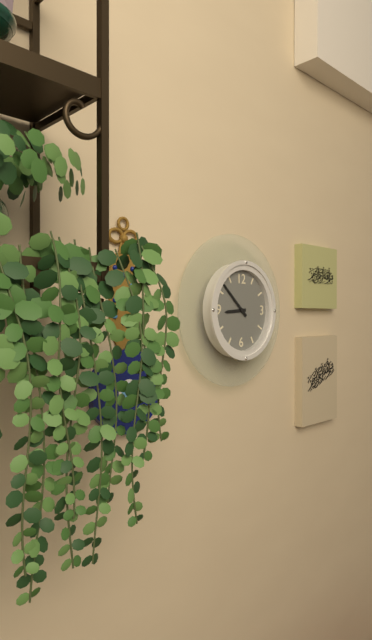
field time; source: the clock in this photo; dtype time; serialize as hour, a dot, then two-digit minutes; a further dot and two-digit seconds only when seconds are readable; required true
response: 8.52
